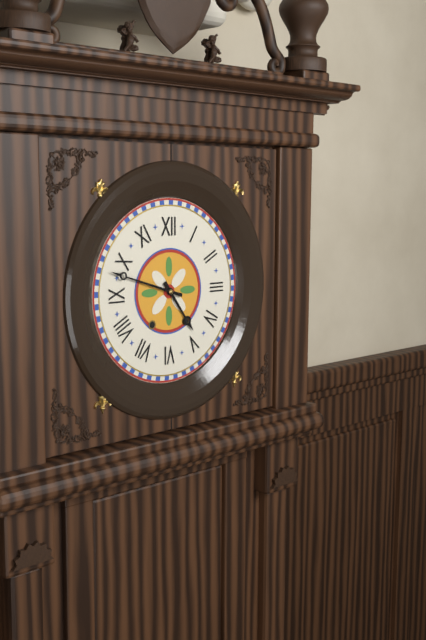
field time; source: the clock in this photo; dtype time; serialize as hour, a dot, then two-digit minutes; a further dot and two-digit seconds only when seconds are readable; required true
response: 4.48
